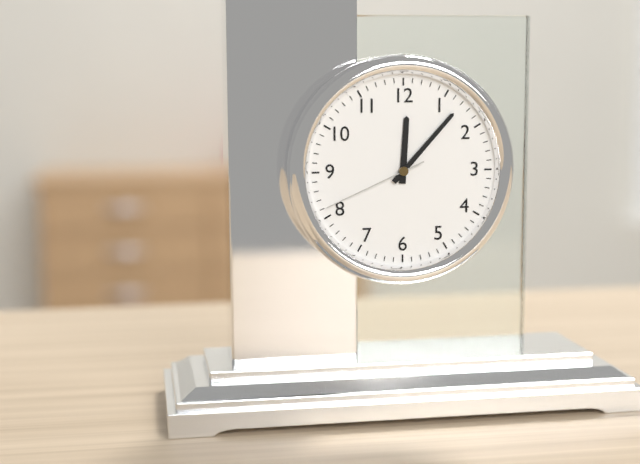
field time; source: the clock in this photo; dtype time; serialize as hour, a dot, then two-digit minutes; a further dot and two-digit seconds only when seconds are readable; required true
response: 12.07.41
